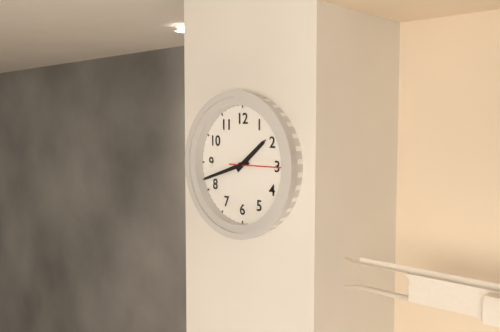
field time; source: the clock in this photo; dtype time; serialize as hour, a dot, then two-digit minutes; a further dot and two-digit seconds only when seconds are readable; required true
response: 1.42.15
